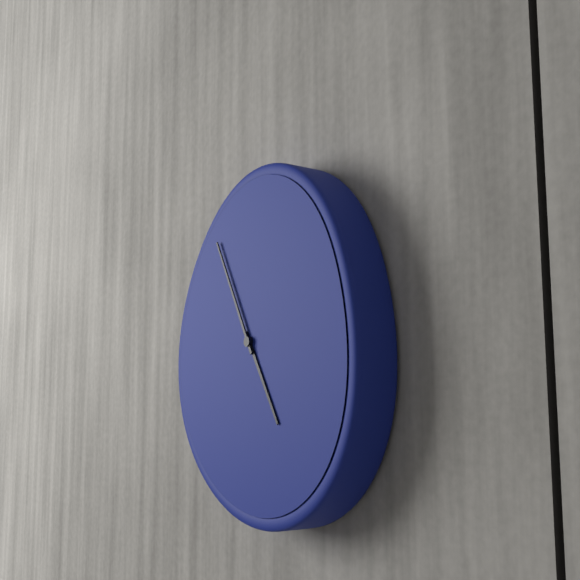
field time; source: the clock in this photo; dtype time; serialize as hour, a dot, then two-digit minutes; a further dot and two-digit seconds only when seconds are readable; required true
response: 4.55
